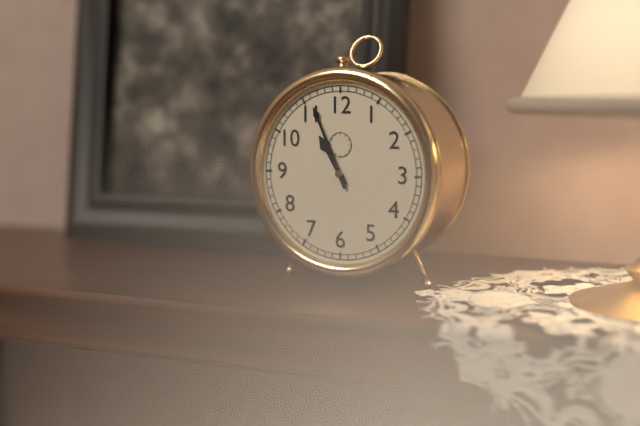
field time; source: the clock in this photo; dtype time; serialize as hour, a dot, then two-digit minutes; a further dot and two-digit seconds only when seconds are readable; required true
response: 10.56
